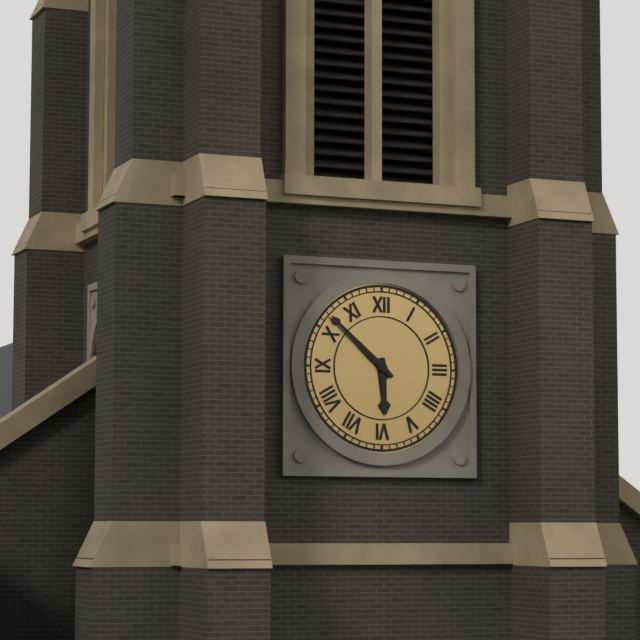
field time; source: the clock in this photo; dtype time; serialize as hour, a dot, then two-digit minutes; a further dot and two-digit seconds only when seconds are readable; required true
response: 5.52
